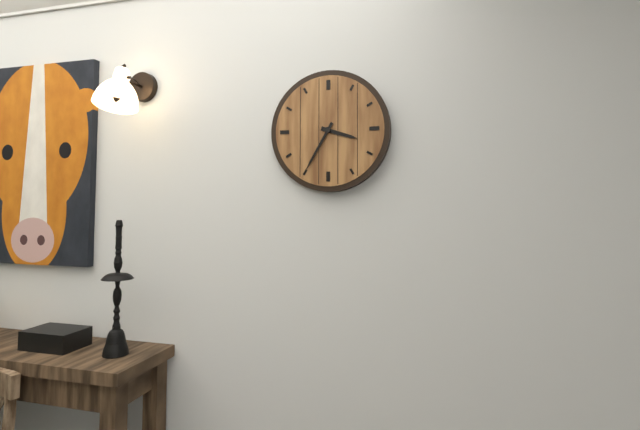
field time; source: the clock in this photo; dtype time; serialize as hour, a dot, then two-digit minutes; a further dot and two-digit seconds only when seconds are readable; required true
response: 3.35
